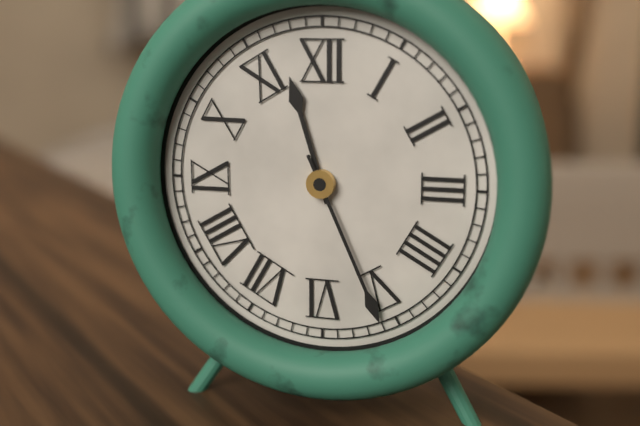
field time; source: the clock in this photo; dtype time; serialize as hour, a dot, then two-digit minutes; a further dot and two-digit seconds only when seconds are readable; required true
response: 11.26
